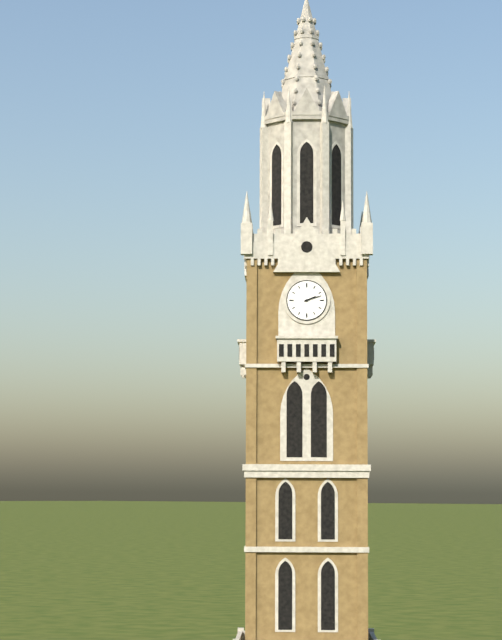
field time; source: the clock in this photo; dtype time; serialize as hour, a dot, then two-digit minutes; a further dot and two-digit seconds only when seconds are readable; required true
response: 2.12
